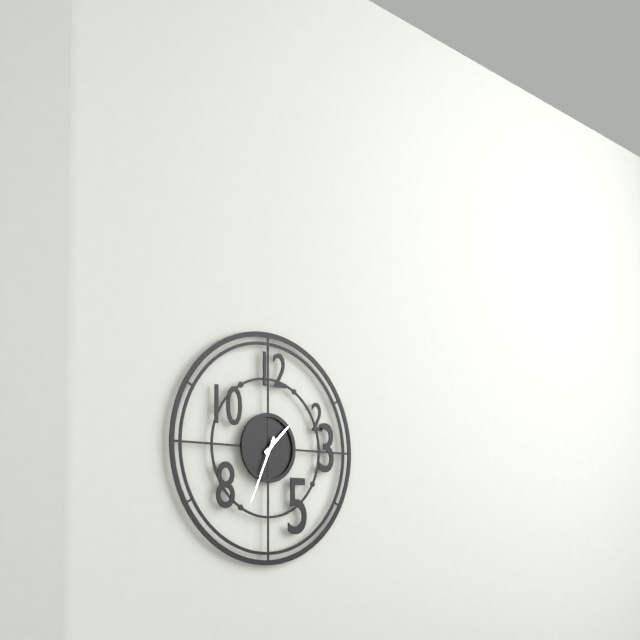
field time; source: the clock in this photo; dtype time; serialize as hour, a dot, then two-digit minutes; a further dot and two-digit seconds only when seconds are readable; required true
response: 1.34
